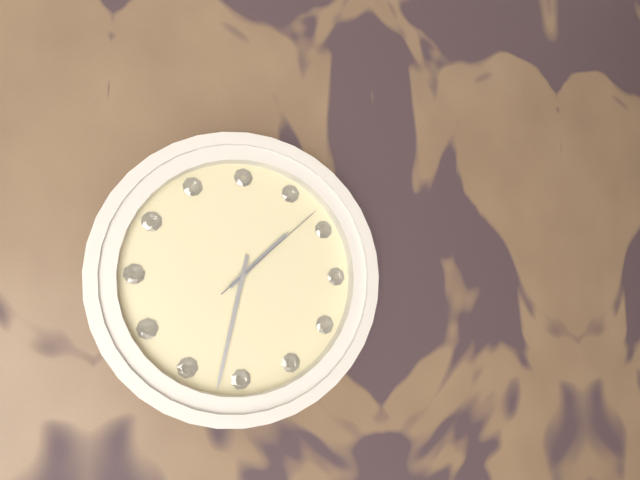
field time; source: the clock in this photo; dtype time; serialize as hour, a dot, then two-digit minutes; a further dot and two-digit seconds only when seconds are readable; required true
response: 1.32.08
